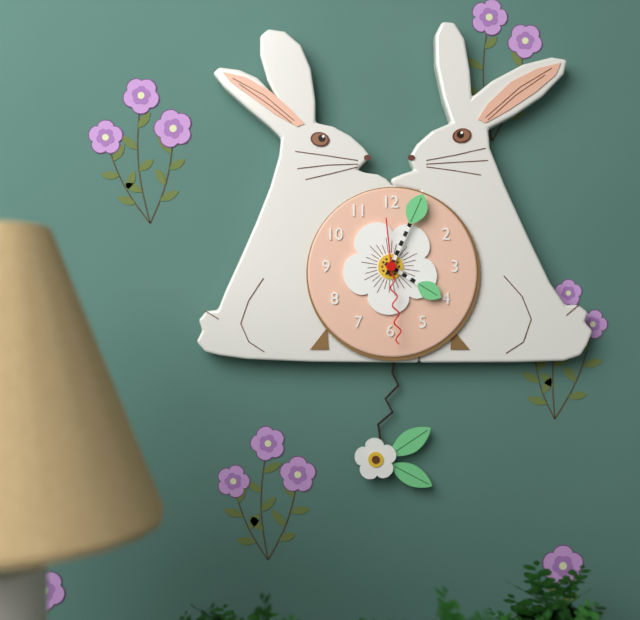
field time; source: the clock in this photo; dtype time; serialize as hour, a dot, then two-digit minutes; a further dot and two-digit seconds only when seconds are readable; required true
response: 4.04.29
